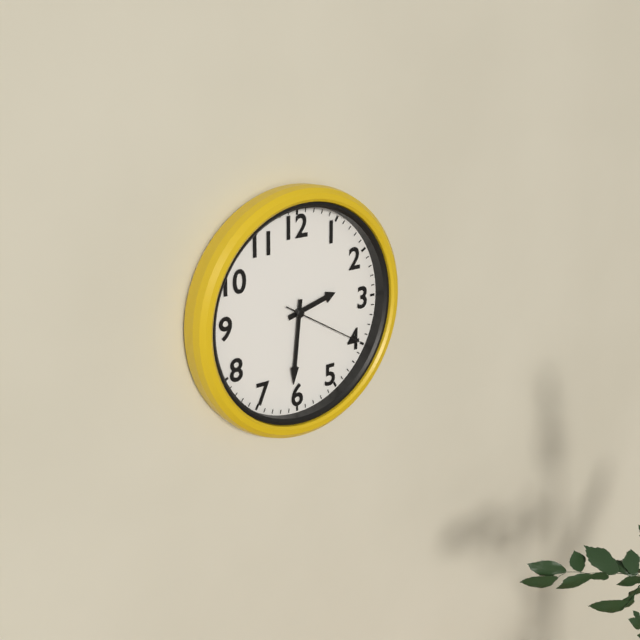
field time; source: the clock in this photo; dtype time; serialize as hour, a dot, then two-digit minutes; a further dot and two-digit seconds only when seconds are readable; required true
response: 2.31.20
